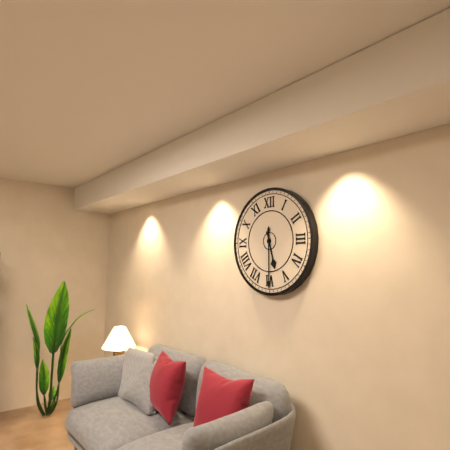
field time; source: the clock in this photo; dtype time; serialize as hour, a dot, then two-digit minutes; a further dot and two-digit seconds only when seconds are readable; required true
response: 5.30
